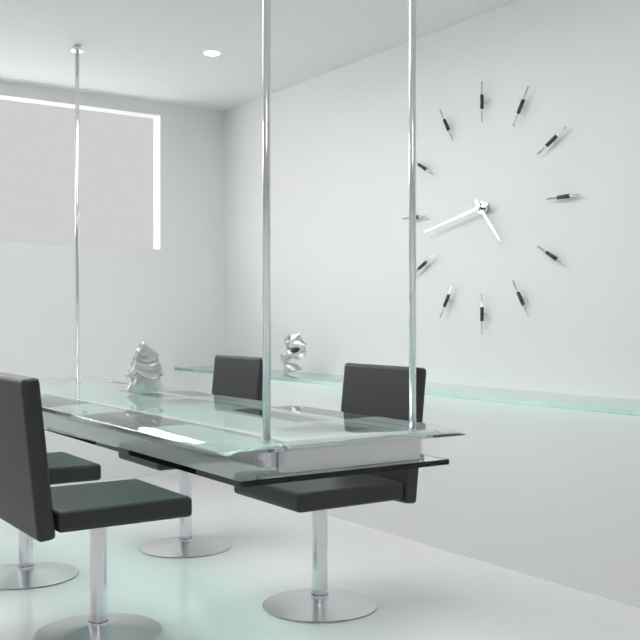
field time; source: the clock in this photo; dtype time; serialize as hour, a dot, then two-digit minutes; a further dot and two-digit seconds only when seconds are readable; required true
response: 4.43
